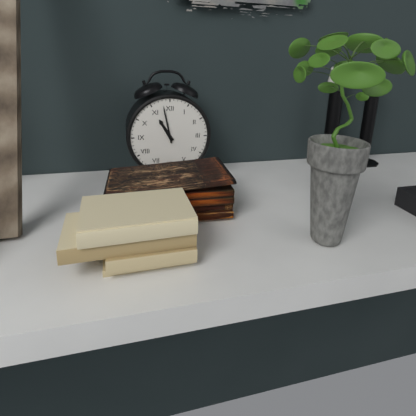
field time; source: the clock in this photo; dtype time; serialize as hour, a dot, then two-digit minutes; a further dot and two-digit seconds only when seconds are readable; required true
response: 10.58
